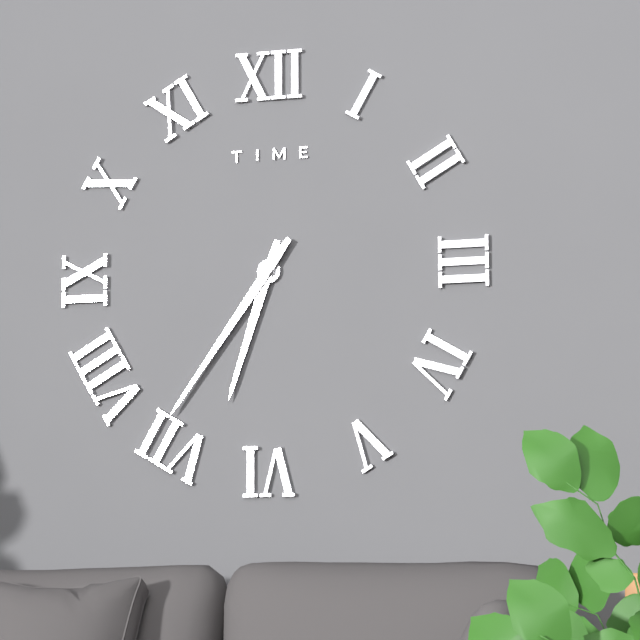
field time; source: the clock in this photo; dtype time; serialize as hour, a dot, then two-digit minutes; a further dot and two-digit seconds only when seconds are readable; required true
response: 6.36
